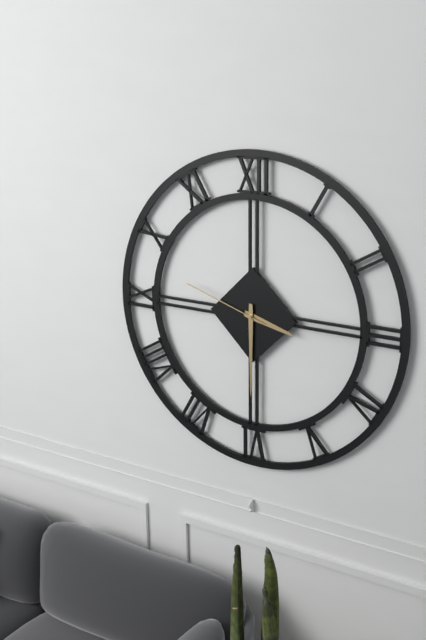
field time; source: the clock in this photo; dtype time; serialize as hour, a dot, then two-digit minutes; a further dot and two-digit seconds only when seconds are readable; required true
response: 3.30.48
